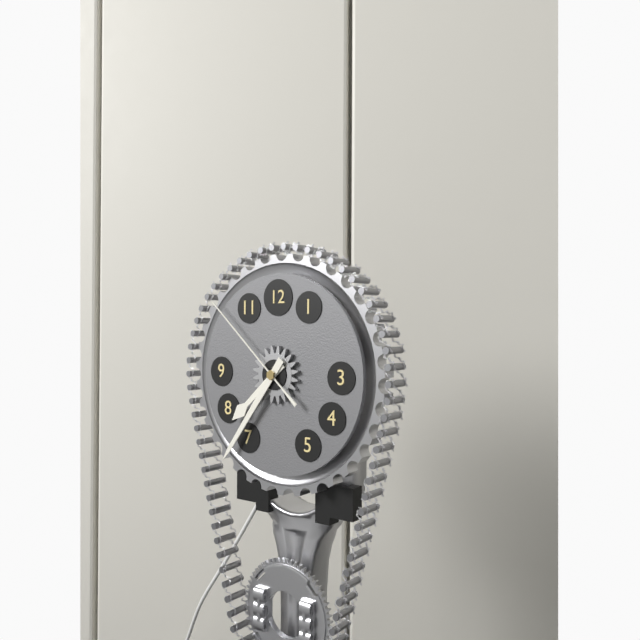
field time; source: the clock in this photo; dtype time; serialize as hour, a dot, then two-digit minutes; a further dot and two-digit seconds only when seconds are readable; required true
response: 7.36.52
